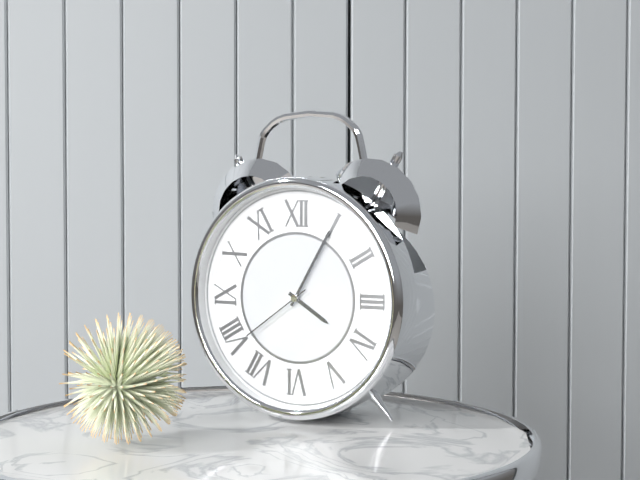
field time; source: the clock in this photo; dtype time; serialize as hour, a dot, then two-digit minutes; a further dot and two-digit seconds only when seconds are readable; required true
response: 4.05.39
